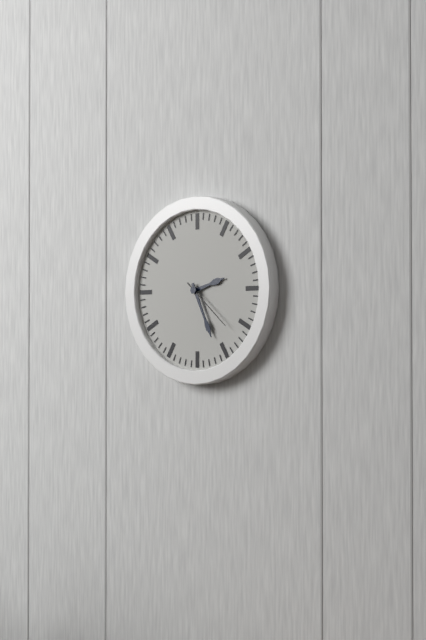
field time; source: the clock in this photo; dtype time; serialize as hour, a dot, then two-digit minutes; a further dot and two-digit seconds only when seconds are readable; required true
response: 2.26.22
